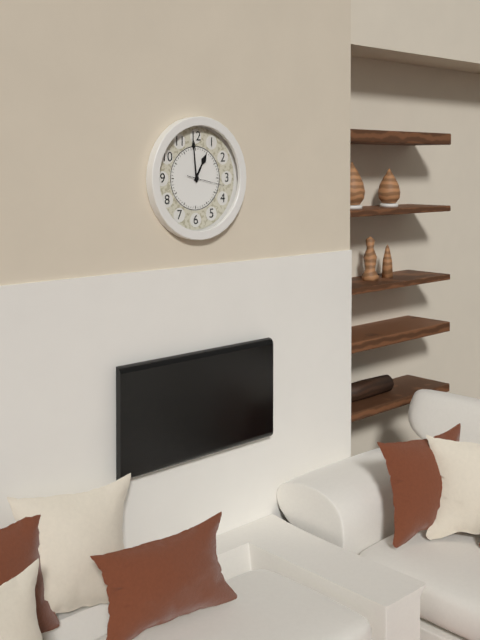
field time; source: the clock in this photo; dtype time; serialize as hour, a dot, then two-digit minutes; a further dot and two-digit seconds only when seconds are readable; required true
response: 12.59
